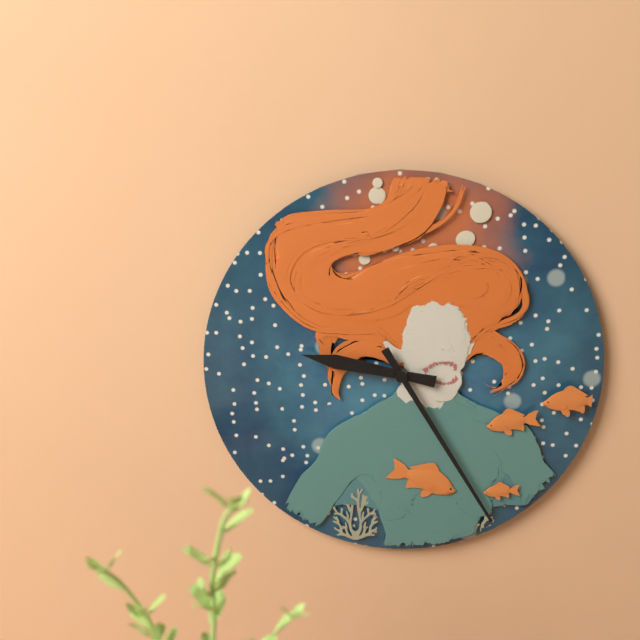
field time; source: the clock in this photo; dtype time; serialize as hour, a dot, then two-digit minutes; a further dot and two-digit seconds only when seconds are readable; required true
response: 9.25
